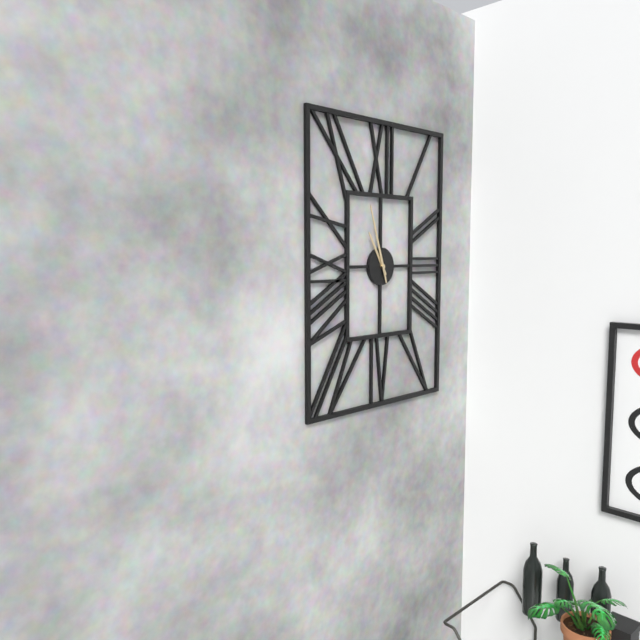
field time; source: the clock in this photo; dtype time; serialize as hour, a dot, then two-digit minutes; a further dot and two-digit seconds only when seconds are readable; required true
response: 10.57
